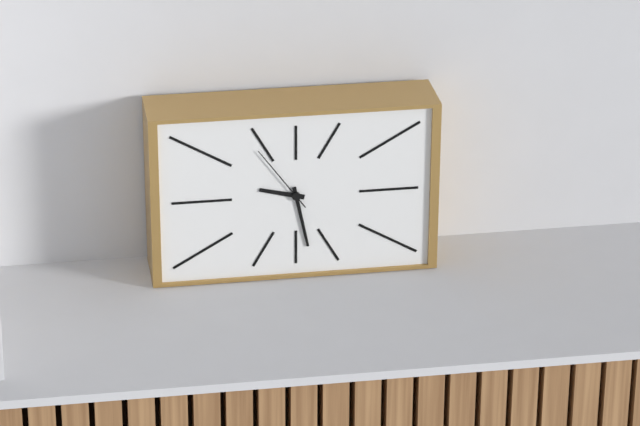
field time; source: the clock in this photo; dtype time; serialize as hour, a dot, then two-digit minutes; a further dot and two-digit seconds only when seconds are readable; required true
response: 9.28.54
